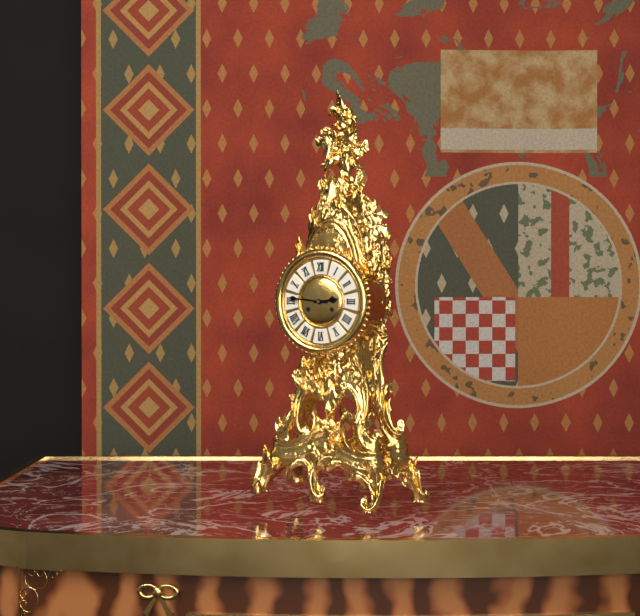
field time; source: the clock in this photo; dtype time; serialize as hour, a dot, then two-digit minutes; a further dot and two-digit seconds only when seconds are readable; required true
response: 2.46
